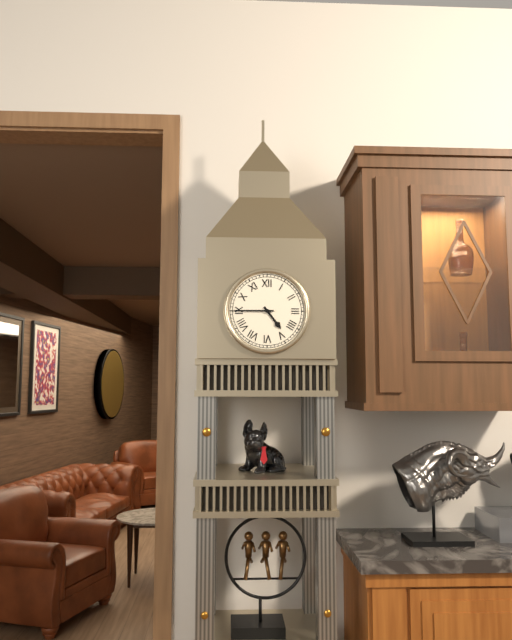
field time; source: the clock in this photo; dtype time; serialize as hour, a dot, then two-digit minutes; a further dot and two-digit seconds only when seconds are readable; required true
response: 4.45
